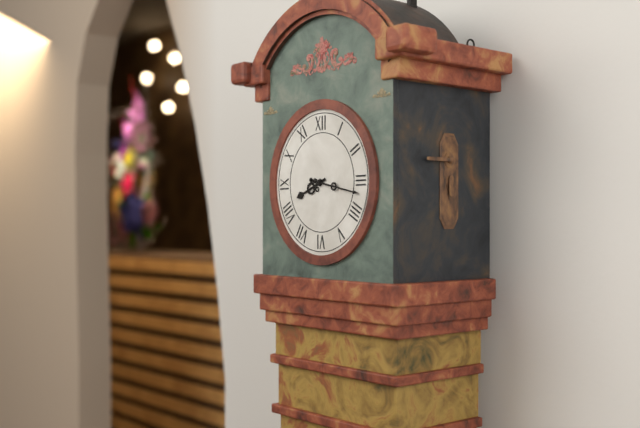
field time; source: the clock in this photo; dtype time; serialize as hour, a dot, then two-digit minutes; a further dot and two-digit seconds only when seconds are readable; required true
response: 8.17
